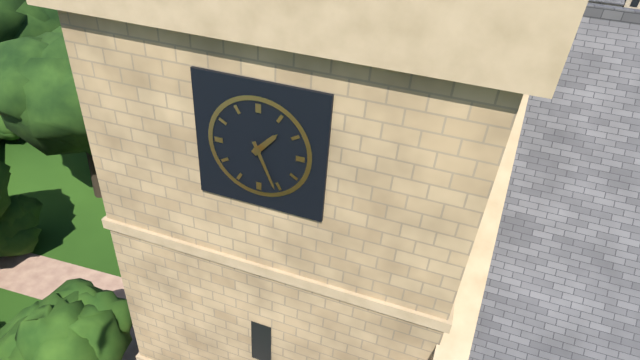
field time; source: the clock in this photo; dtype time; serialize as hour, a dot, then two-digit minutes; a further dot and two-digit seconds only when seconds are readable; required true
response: 1.26
